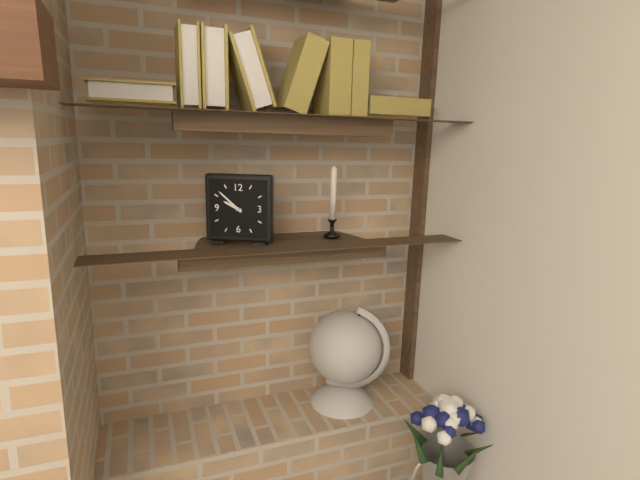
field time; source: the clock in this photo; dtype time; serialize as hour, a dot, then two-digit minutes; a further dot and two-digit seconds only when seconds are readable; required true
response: 9.52
